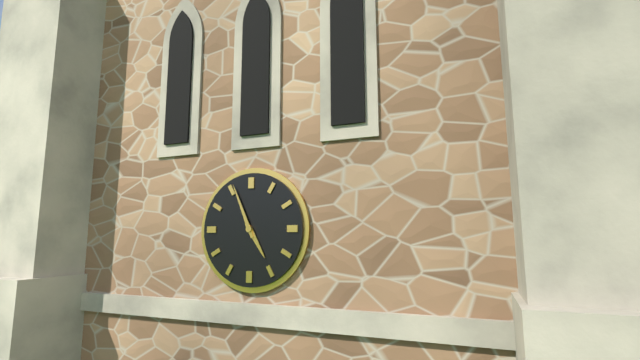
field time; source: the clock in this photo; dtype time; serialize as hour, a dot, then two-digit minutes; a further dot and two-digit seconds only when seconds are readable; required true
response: 4.56
